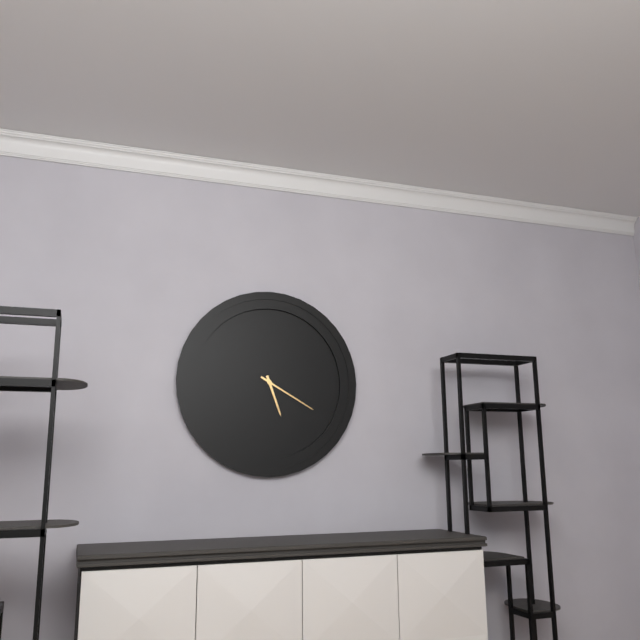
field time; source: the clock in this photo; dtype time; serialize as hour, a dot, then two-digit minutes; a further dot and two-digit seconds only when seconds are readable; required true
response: 5.20
